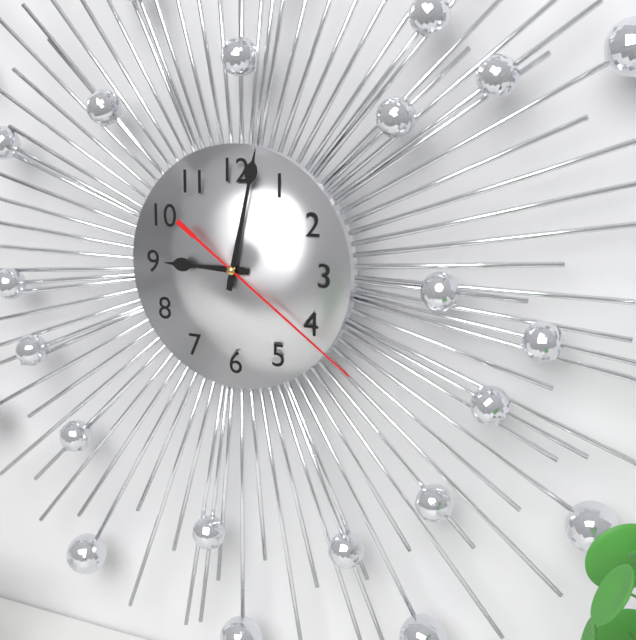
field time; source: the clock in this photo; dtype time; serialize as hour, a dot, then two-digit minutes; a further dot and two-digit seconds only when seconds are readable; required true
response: 9.02.21
